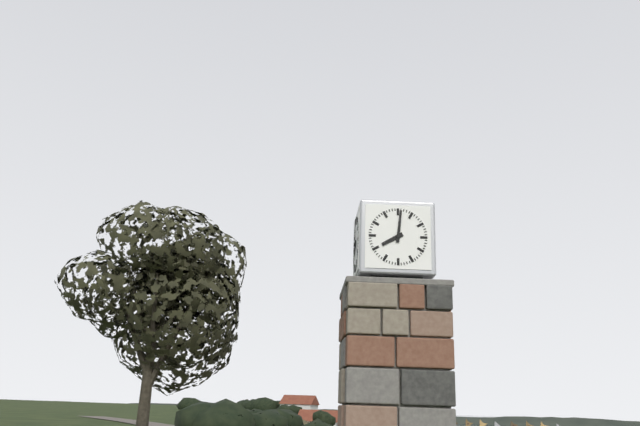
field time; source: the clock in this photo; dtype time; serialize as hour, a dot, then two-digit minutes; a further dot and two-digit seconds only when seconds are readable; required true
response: 8.01
